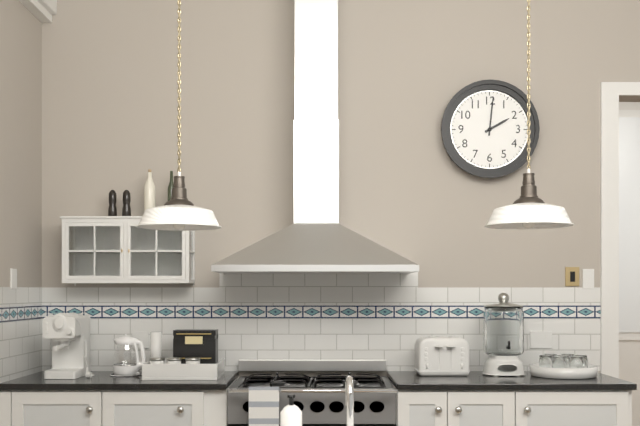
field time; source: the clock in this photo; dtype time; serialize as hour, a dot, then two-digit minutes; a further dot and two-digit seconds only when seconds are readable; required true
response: 2.01
